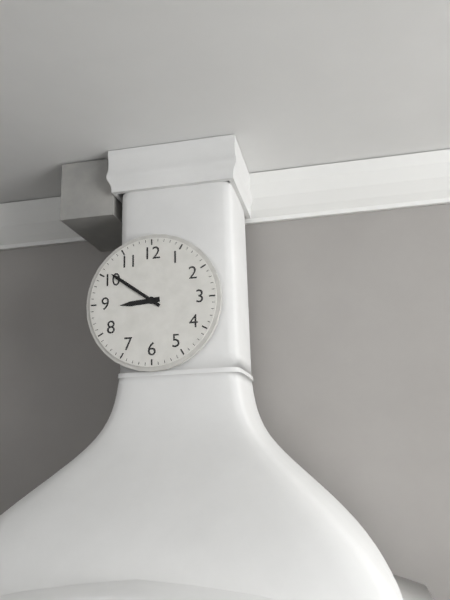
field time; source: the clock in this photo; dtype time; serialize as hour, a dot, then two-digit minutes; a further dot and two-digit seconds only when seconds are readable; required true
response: 8.51
